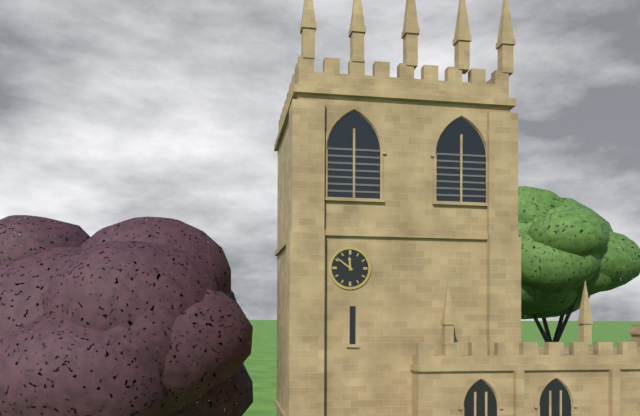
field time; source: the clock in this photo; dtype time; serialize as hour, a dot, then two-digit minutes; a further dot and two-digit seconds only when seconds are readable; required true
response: 11.51
